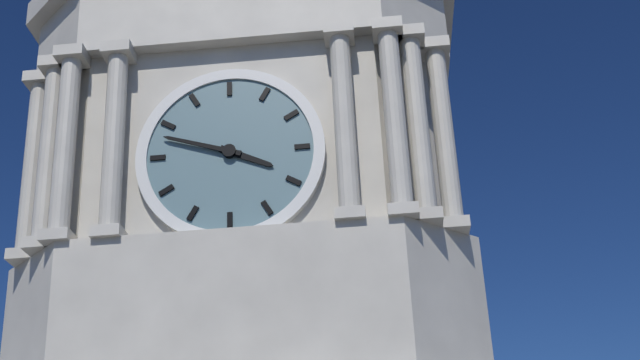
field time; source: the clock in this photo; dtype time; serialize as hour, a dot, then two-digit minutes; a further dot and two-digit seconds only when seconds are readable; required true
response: 3.48
